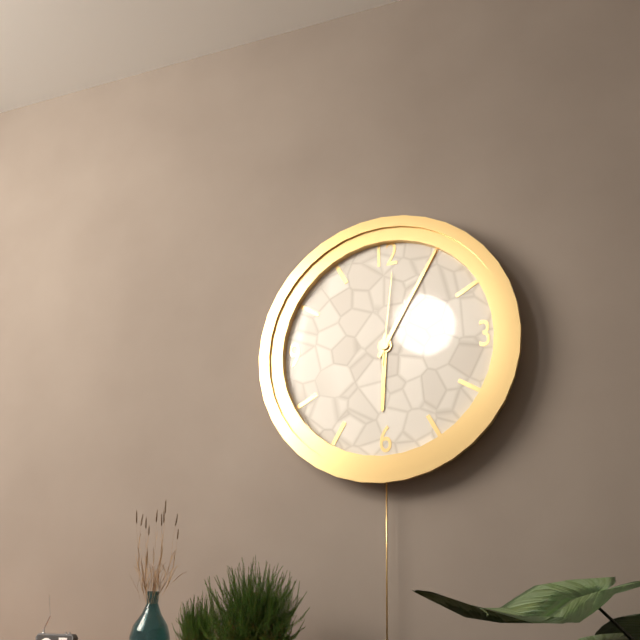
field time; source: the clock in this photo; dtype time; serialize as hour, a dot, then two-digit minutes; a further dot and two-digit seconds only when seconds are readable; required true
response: 6.05.01
